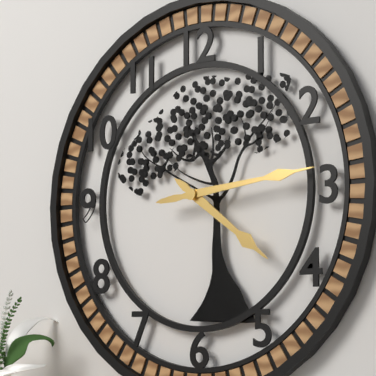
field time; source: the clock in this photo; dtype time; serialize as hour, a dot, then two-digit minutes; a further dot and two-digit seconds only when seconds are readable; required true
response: 4.14
